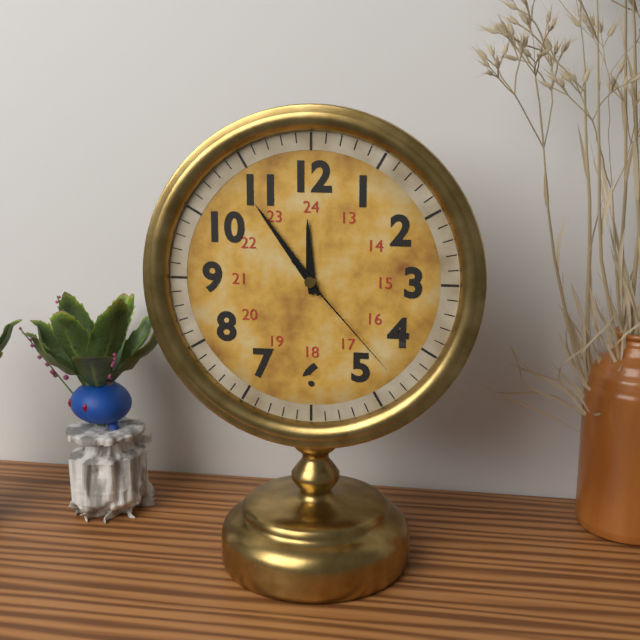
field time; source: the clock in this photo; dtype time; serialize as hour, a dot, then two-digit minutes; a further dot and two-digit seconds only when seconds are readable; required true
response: 11.54.23
